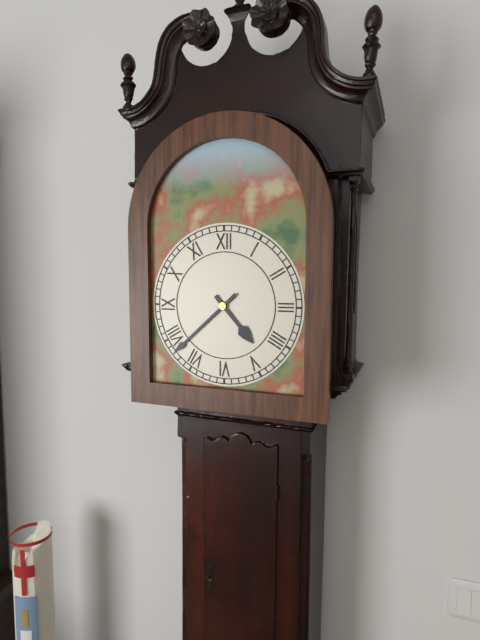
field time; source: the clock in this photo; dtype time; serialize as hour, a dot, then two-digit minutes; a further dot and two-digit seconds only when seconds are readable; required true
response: 4.38
